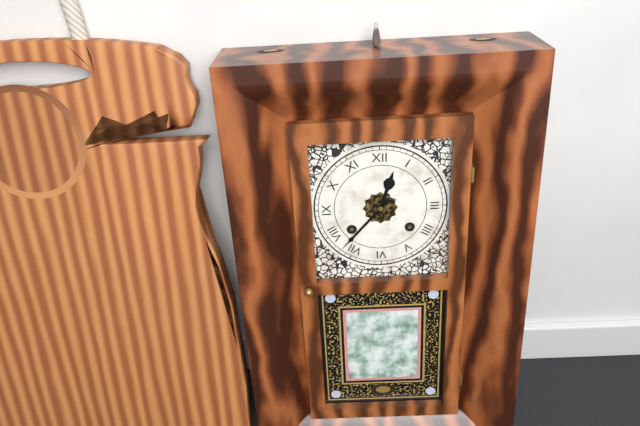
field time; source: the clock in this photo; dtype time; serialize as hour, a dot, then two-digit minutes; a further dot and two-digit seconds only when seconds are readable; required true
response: 12.37
